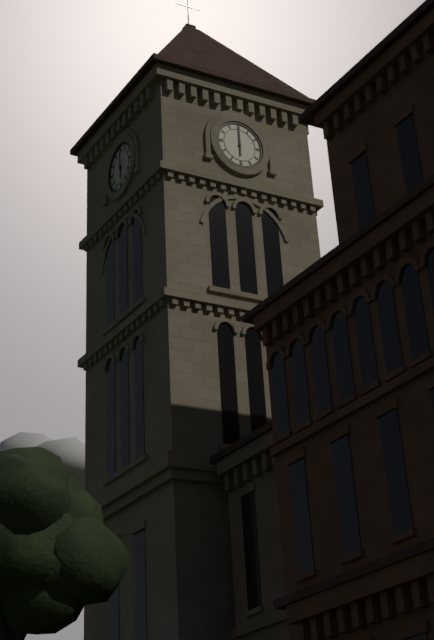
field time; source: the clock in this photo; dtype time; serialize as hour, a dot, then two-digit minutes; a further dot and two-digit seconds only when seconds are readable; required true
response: 6.00
